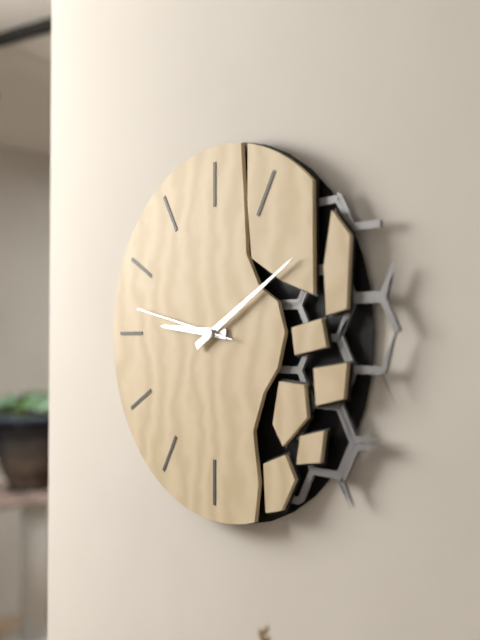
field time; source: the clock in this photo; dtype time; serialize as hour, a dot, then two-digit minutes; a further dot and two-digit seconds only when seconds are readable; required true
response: 9.10.47
